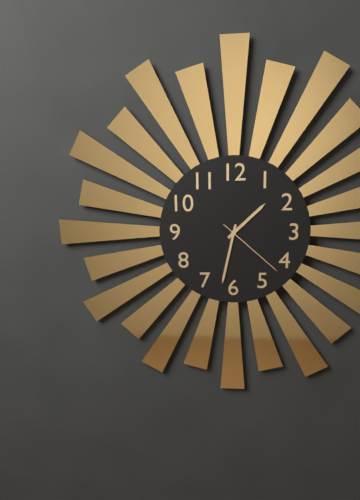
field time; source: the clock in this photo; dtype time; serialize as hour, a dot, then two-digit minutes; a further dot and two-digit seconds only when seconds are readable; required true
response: 1.32.22
